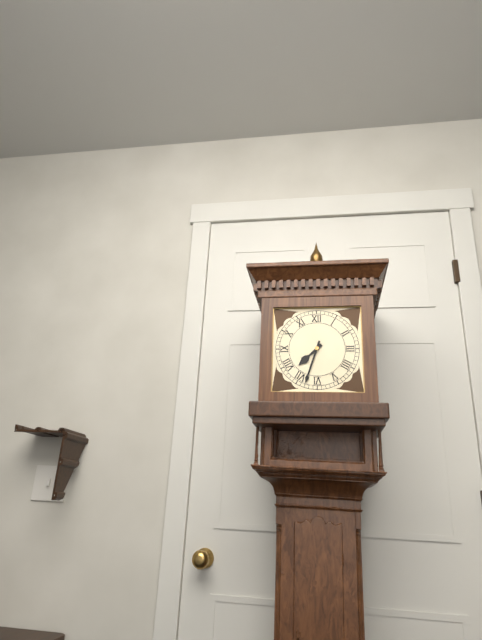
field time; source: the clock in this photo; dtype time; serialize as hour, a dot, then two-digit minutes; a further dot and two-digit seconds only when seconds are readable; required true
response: 7.33
